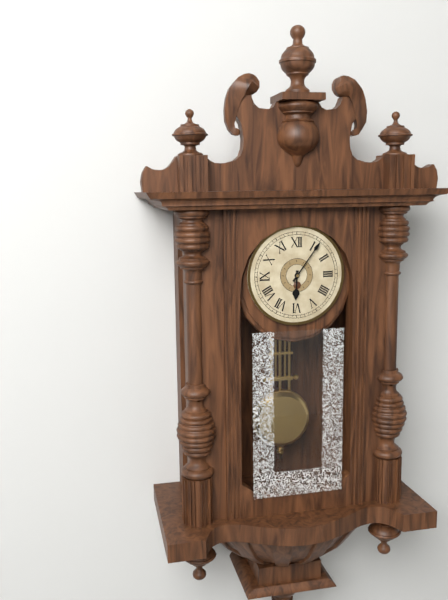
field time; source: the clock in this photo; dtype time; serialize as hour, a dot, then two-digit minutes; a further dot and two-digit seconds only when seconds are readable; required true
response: 6.06
